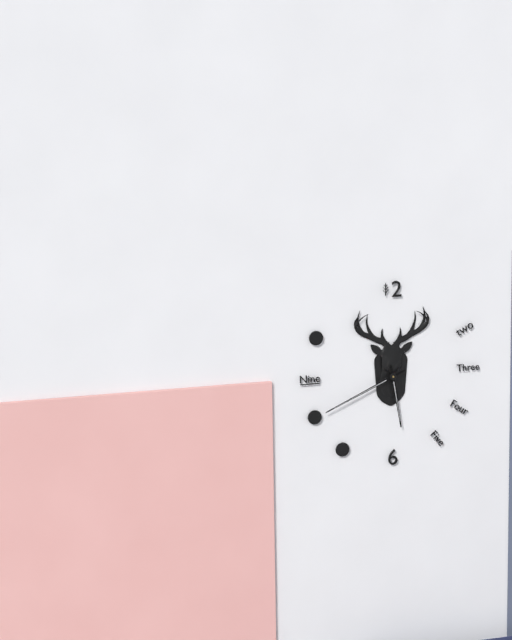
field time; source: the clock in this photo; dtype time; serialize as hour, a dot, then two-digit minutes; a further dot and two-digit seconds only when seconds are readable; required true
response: 5.41
